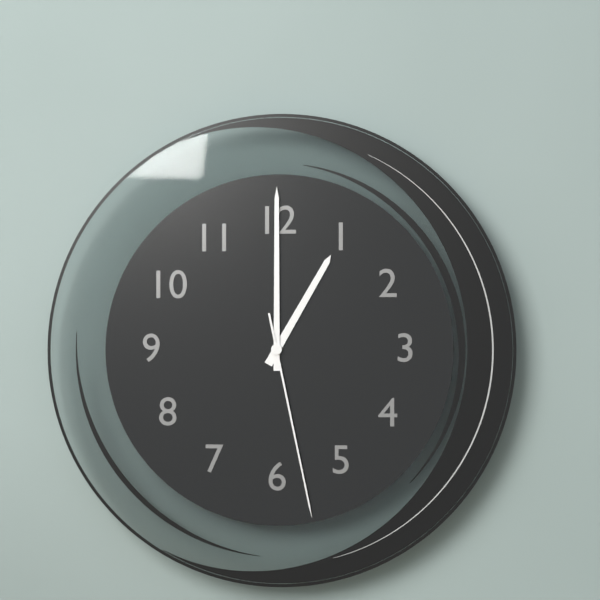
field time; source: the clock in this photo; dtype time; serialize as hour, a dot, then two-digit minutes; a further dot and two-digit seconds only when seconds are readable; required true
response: 1.00.28
